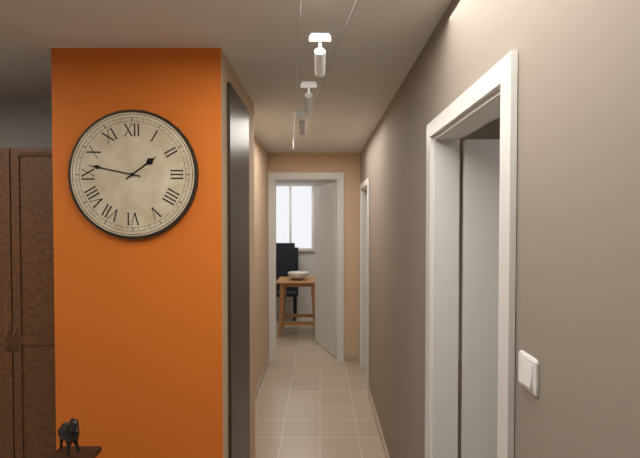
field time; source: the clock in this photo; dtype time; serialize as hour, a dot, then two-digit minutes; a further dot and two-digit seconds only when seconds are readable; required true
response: 1.47
